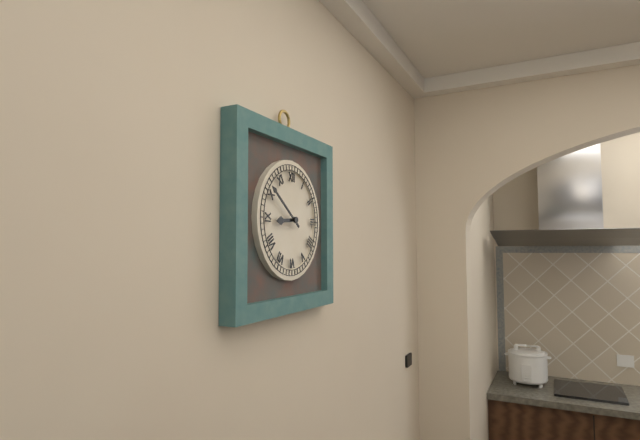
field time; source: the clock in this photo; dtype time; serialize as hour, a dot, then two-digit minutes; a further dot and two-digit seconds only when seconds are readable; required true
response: 8.51
